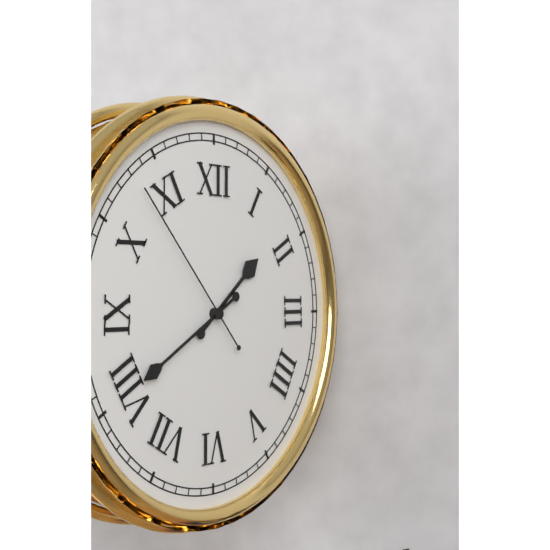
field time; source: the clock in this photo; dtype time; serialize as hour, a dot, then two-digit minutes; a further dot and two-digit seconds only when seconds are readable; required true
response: 1.40.53
